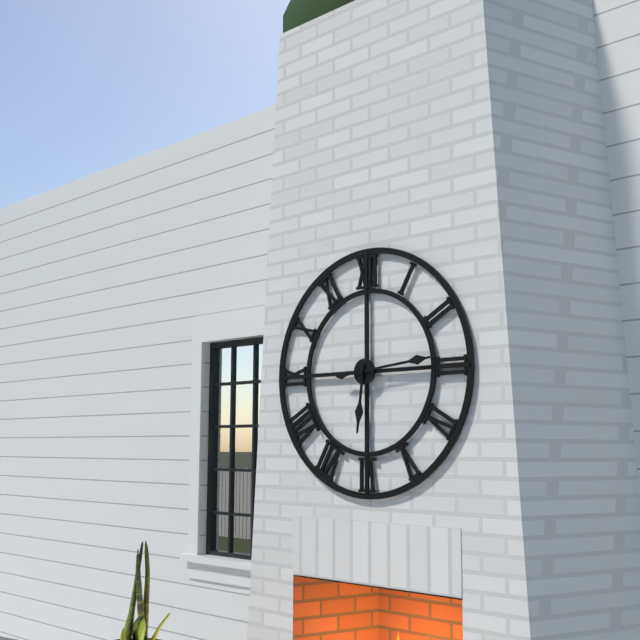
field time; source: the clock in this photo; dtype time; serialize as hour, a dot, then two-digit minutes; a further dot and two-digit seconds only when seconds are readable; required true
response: 6.14
